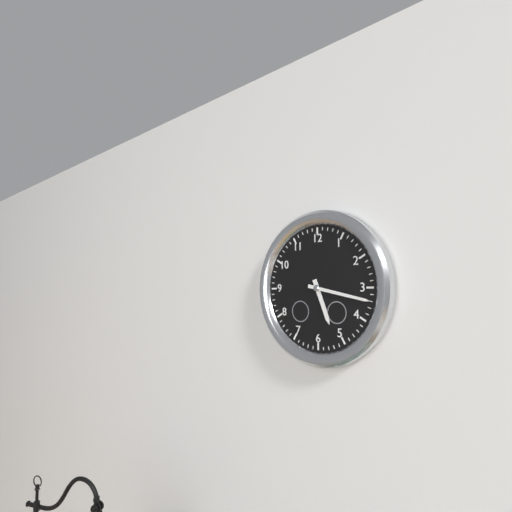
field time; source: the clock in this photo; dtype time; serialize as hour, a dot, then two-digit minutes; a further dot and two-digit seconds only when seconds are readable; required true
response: 5.17
